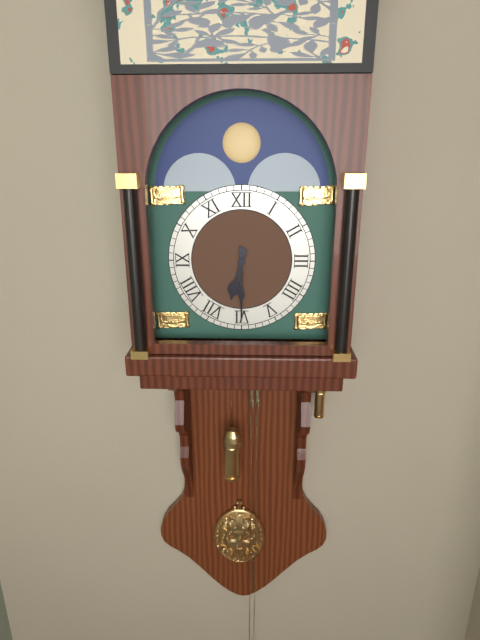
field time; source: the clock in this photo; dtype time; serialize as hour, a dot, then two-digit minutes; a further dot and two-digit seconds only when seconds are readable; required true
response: 6.30
